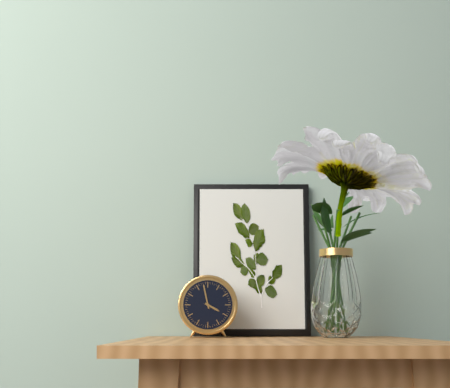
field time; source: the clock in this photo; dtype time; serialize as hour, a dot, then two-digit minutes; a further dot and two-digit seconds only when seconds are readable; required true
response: 3.58
